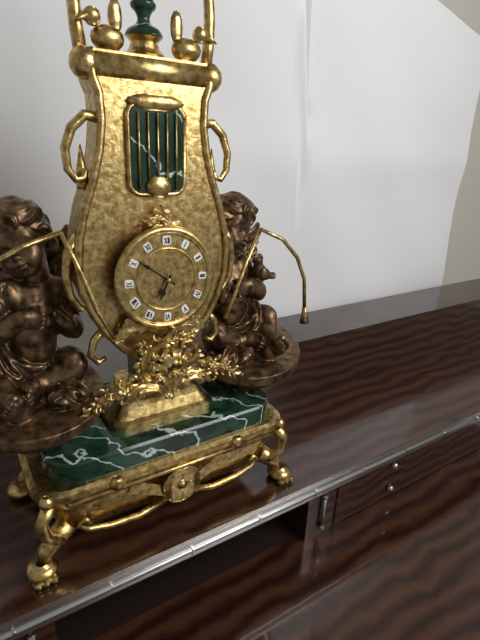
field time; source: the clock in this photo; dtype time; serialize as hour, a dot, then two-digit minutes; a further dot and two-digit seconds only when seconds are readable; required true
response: 6.51
